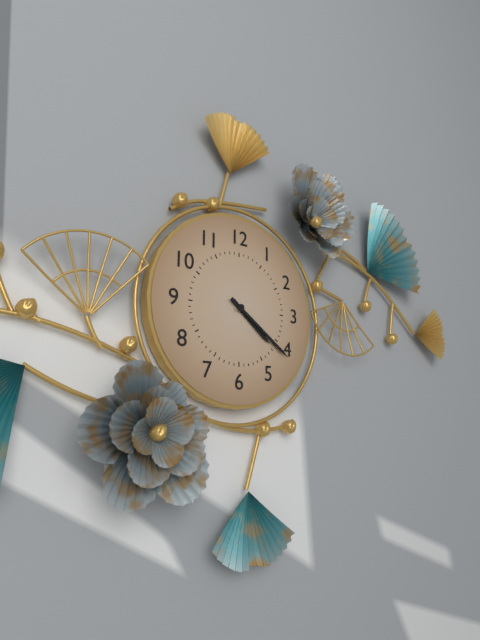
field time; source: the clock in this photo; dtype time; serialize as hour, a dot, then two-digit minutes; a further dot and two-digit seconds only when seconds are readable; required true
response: 4.21
